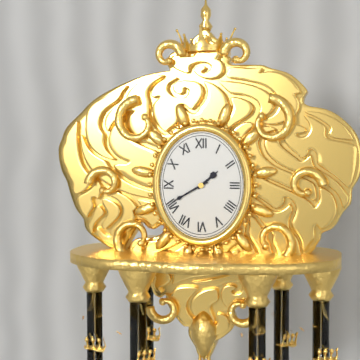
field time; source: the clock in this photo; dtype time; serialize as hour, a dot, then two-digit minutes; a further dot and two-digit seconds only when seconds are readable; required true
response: 1.40
